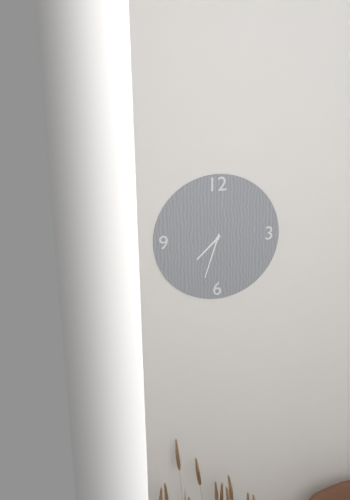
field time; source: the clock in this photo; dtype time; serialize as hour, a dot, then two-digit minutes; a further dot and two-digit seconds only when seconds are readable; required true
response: 7.33
